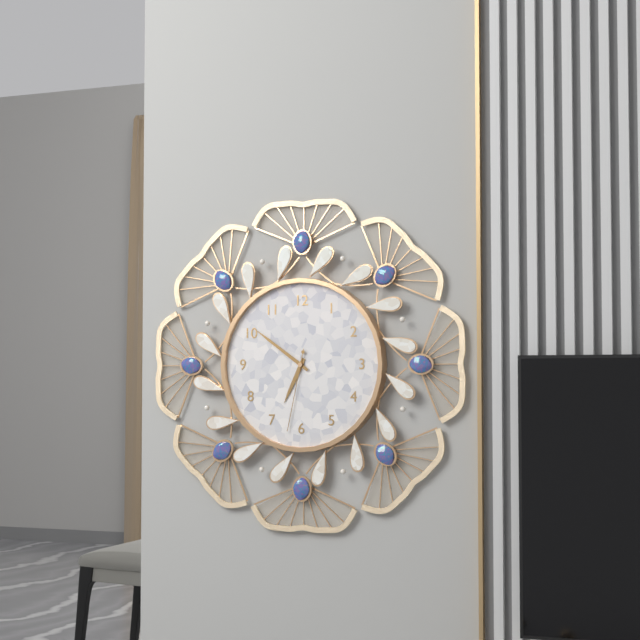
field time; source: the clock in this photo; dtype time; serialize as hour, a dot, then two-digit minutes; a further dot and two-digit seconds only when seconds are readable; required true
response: 6.51.32
